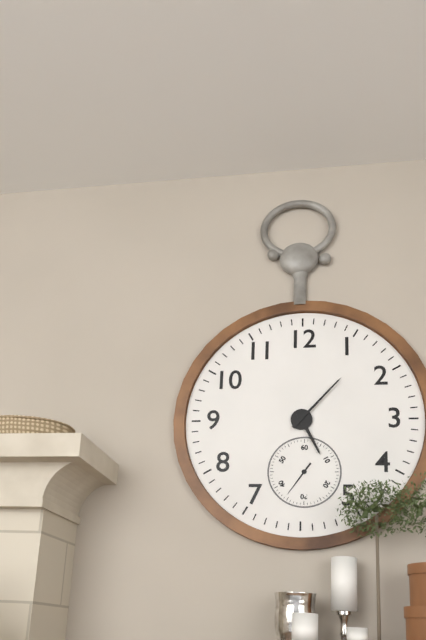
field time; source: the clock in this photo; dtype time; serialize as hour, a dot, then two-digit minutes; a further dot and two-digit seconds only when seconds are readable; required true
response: 5.07
